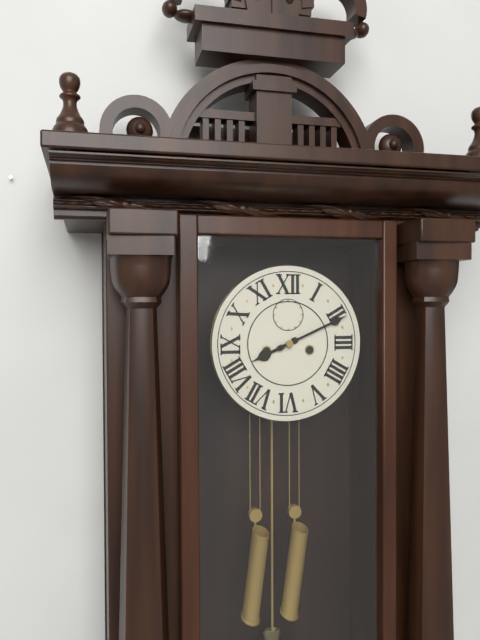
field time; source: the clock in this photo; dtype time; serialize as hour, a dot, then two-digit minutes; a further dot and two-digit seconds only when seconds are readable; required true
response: 8.11
